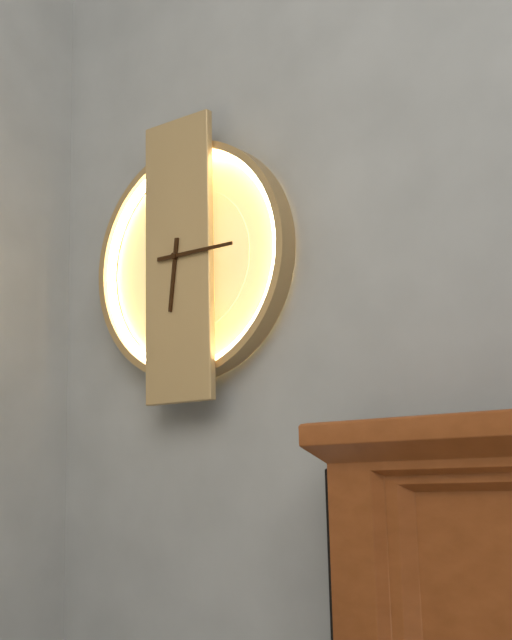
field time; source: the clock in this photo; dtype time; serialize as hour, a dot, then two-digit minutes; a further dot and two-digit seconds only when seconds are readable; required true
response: 6.15
